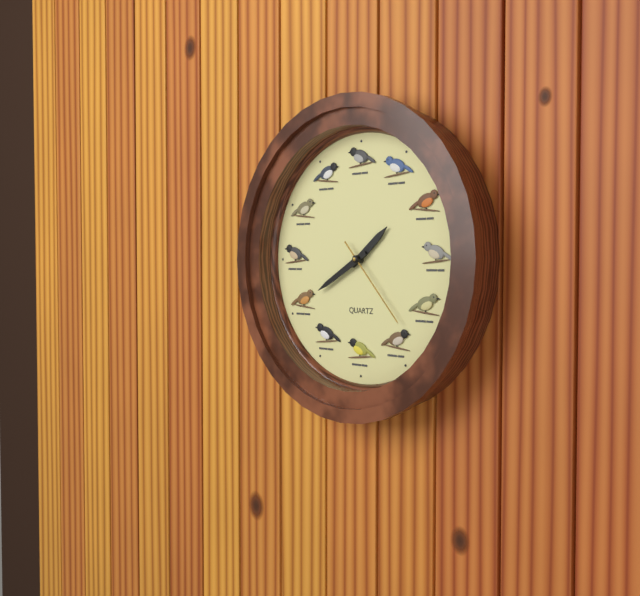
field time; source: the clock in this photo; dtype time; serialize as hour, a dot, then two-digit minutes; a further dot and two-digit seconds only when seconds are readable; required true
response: 1.40.23
